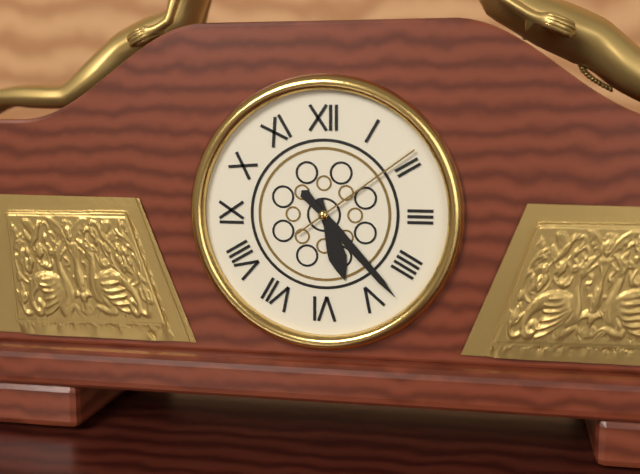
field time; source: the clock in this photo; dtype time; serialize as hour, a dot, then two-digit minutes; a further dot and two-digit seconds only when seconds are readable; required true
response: 5.23.09
